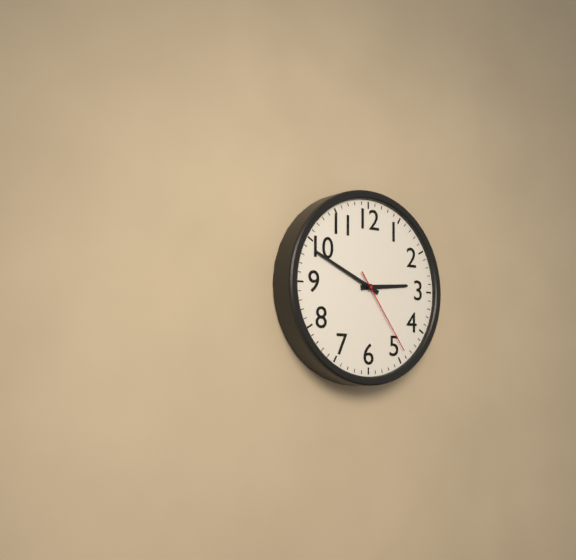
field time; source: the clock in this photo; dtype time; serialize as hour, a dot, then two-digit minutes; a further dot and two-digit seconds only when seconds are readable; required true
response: 2.49.24
